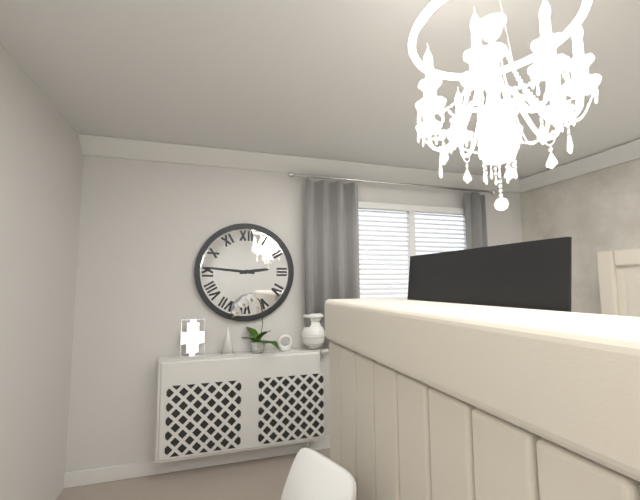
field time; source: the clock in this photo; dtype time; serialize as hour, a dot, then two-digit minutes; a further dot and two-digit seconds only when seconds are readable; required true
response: 2.46
